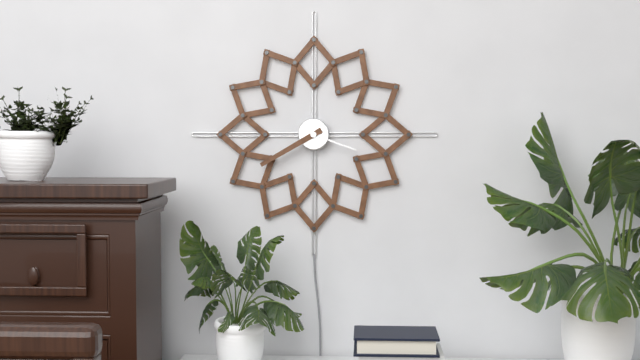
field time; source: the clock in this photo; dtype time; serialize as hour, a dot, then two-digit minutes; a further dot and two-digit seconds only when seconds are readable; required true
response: 3.40
